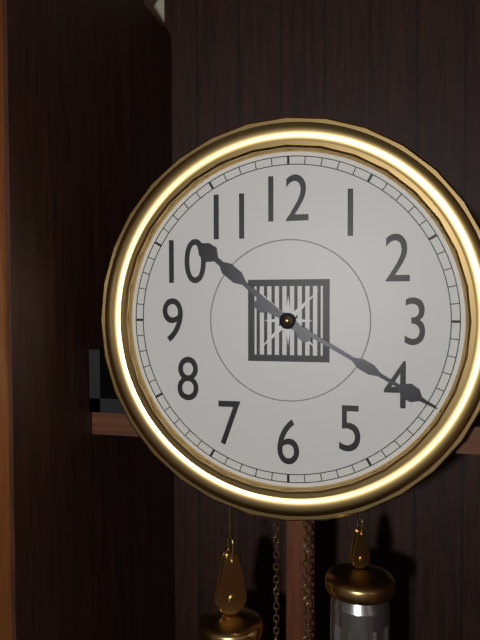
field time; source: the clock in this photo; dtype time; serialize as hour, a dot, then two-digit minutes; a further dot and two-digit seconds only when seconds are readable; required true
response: 10.20
